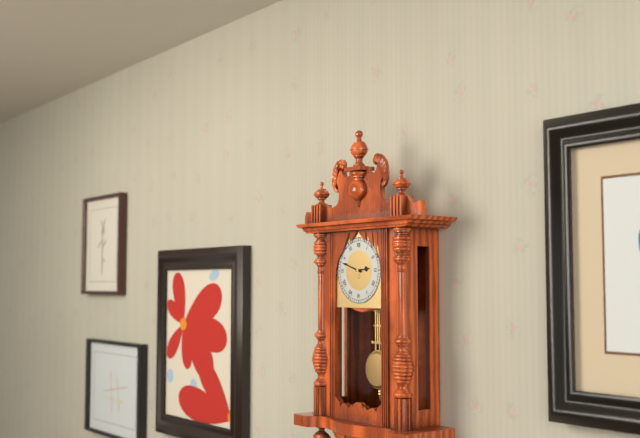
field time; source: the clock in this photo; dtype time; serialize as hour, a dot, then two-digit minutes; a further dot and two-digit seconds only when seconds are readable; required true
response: 2.48
